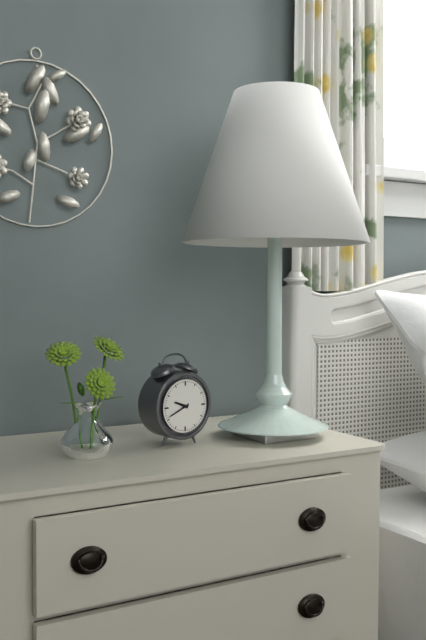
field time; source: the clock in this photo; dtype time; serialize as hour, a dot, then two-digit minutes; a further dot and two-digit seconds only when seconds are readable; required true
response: 9.41
